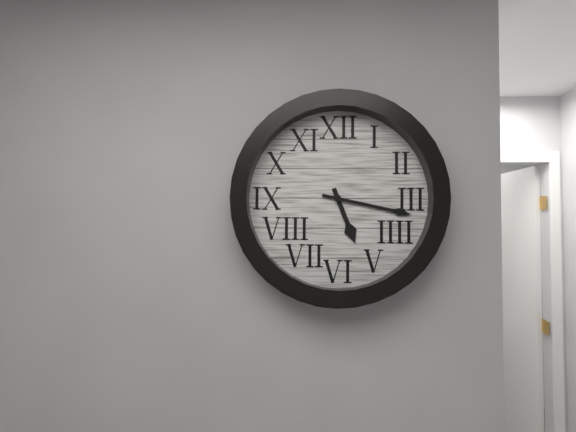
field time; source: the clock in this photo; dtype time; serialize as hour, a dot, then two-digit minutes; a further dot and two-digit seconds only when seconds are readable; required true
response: 5.17
